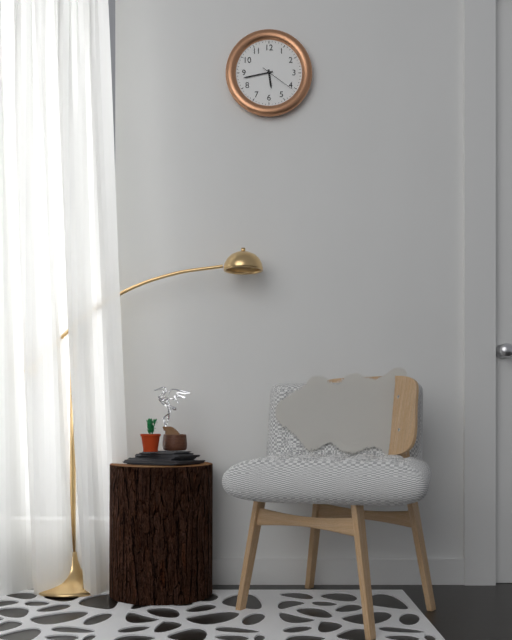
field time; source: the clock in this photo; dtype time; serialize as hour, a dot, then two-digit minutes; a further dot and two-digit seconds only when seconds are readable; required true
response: 5.43
